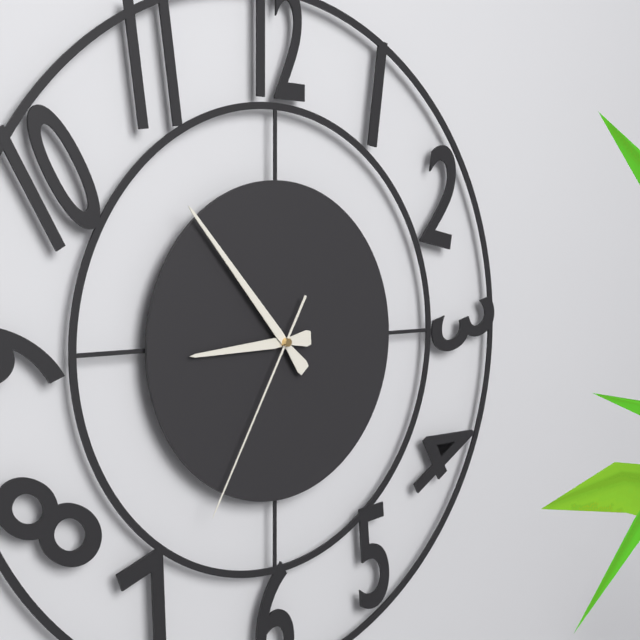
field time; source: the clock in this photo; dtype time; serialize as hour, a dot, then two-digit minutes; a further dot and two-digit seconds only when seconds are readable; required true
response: 8.53.35
